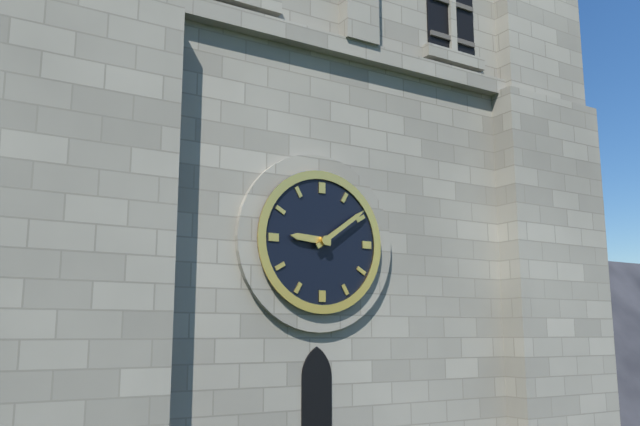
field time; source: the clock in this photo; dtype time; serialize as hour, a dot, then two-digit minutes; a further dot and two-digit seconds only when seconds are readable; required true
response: 9.09
